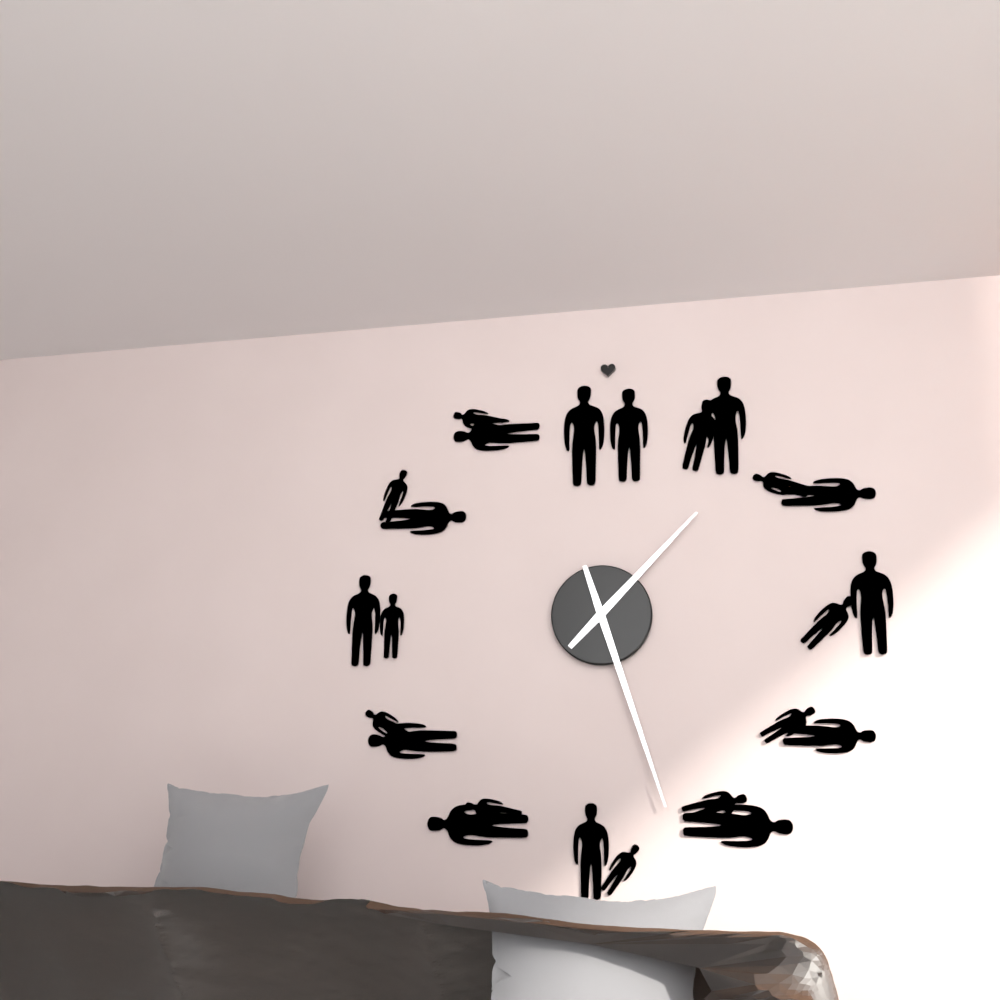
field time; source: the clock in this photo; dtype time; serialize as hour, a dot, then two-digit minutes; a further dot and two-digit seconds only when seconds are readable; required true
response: 1.27
